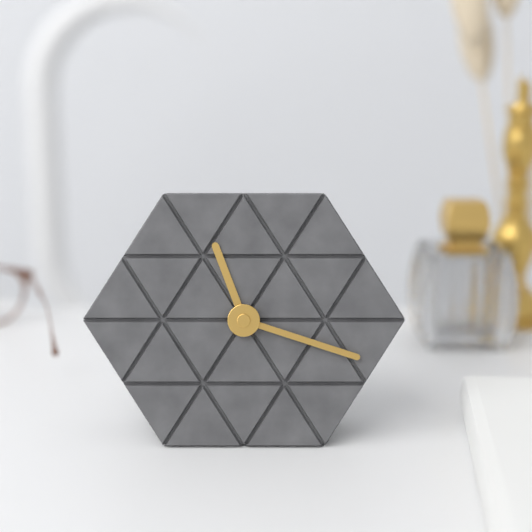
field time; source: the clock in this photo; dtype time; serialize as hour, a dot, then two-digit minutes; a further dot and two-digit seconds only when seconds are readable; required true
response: 11.18
